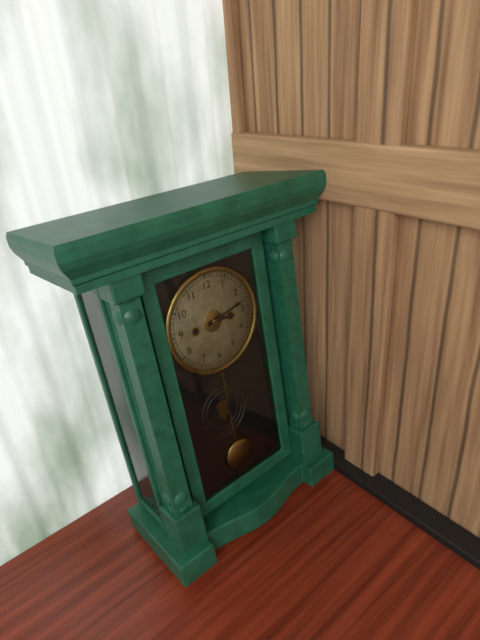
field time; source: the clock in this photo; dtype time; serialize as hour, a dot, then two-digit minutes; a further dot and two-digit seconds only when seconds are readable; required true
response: 3.13
